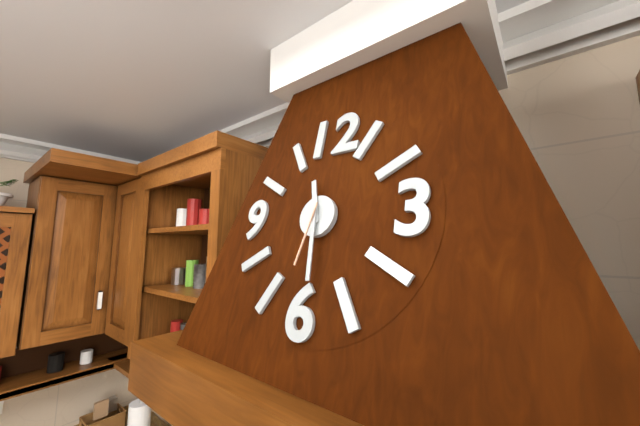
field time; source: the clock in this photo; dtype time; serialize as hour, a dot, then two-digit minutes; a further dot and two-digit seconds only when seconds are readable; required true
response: 11.29.32
